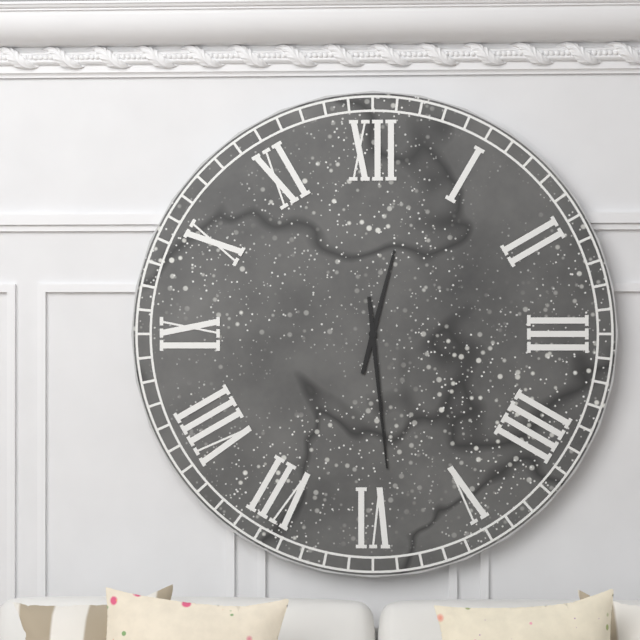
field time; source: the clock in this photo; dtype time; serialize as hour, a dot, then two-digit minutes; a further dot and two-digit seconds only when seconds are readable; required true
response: 12.29
